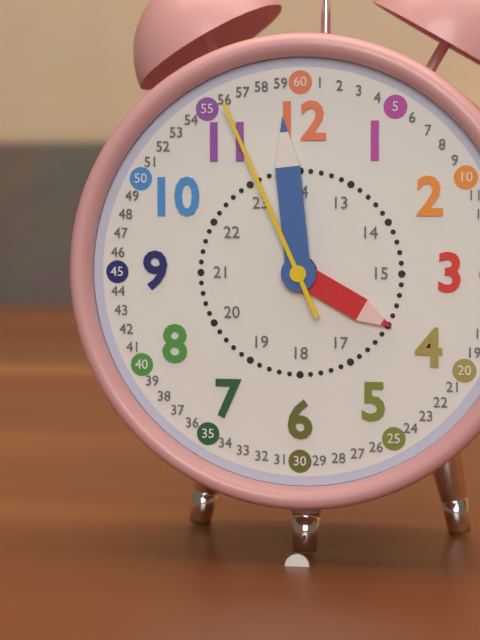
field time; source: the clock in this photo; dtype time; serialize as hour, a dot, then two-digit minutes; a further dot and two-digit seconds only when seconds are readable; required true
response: 3.59.56
